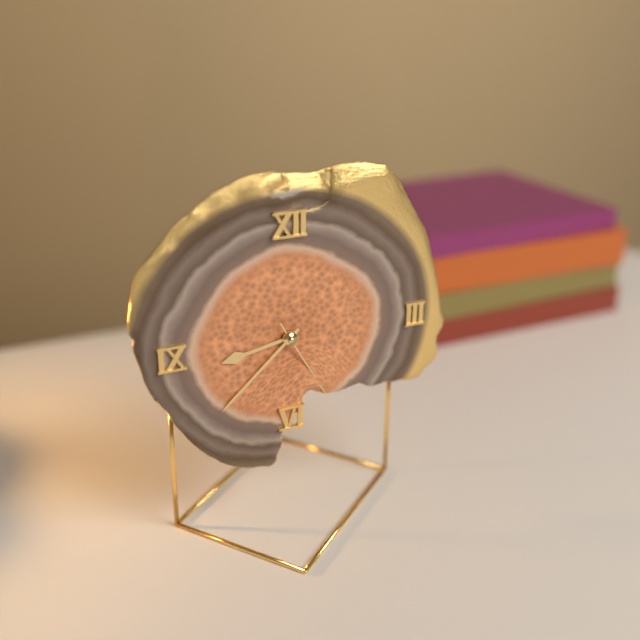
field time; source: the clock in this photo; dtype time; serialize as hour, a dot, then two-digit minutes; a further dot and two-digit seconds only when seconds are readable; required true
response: 8.38.25
